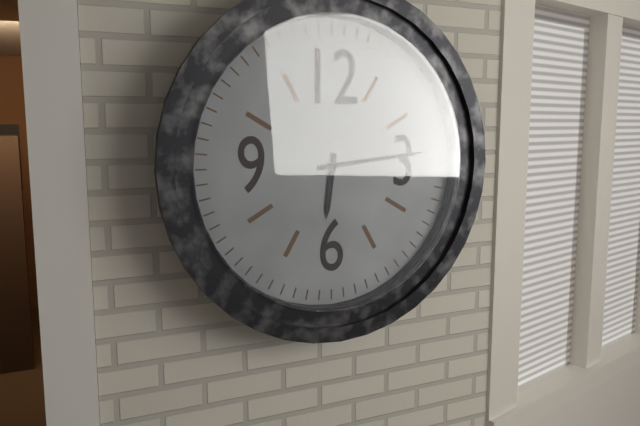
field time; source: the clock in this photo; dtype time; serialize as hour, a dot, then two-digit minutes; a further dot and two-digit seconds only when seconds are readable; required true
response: 6.14
